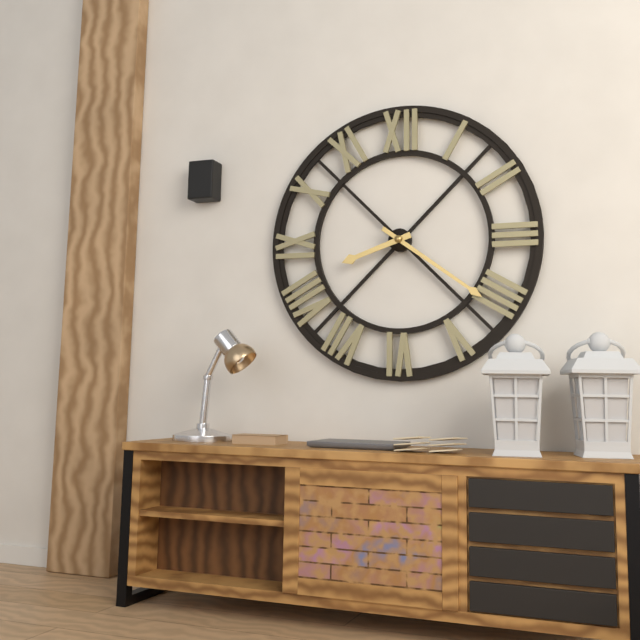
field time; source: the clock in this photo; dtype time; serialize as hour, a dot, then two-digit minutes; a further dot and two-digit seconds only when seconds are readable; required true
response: 8.21
